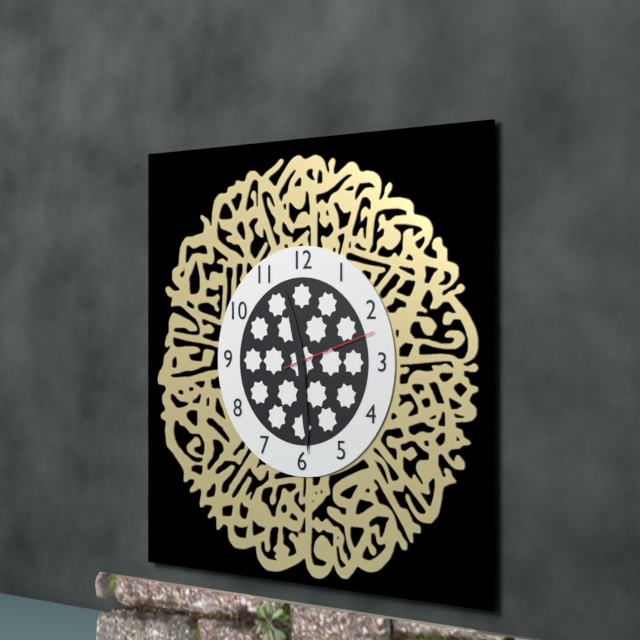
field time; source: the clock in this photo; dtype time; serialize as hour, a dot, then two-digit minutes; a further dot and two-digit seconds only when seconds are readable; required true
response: 11.29.12
